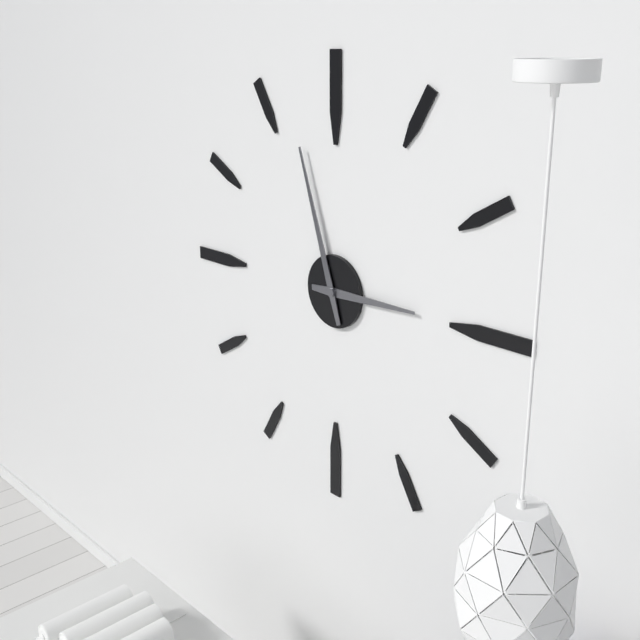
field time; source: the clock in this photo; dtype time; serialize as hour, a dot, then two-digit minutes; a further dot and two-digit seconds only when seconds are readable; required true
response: 2.57
